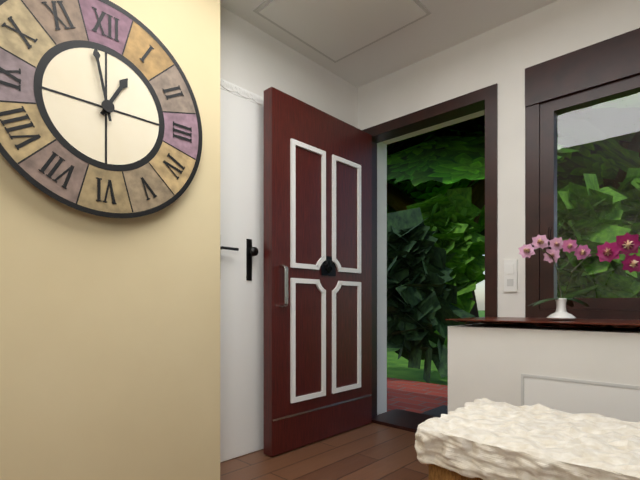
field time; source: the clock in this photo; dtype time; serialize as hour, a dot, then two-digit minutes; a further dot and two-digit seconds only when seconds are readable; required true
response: 12.58
